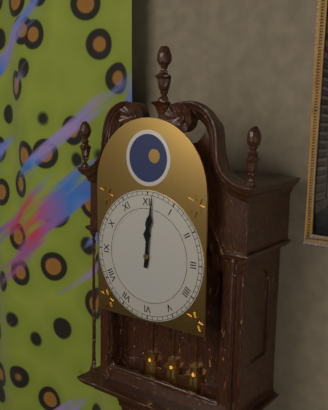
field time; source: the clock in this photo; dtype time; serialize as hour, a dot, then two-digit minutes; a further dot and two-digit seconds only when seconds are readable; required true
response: 12.01
